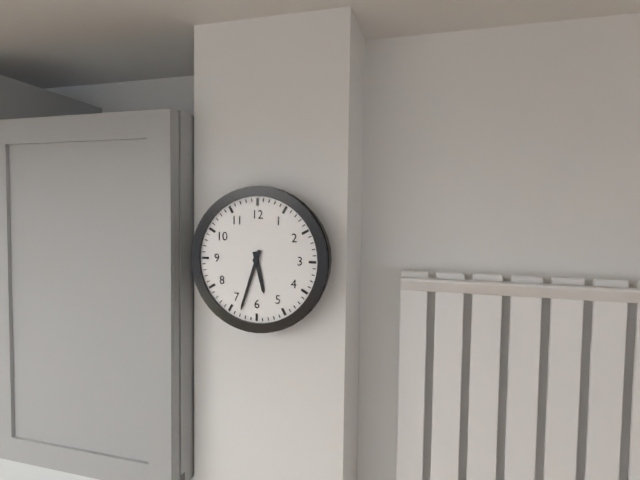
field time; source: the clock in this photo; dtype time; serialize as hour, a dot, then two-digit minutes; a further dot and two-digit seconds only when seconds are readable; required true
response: 5.33
